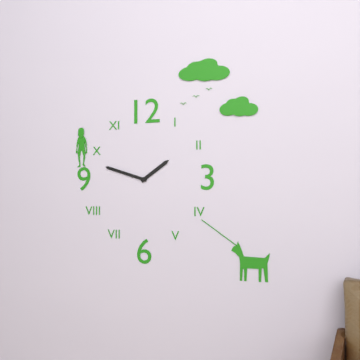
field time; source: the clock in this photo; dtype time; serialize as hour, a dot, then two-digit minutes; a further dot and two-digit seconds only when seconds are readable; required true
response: 1.48
